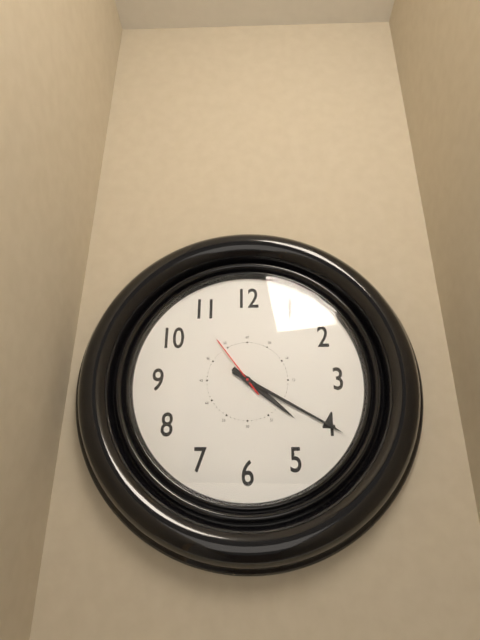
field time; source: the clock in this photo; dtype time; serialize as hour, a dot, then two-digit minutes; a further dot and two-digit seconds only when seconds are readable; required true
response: 4.20.54
